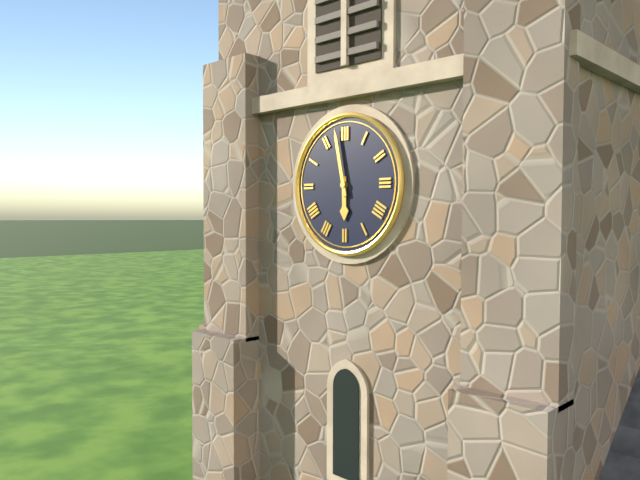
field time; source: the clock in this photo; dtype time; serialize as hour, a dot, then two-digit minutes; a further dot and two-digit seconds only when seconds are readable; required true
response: 5.58
